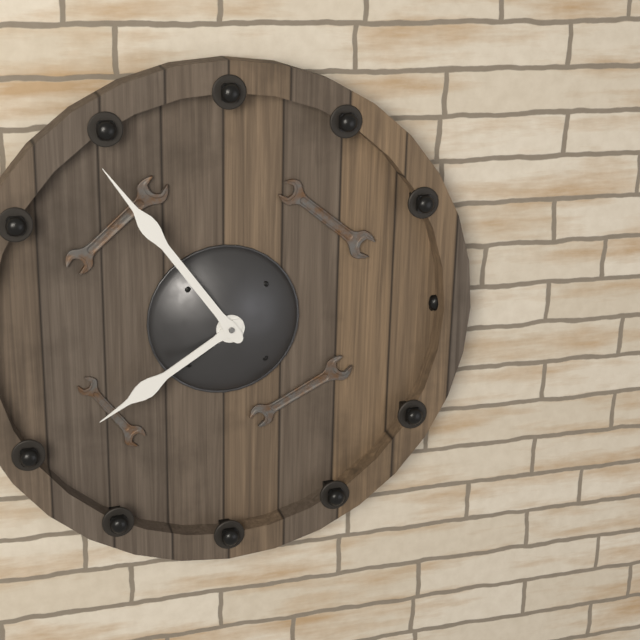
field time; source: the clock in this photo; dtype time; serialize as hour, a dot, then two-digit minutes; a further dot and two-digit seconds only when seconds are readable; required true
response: 7.54
